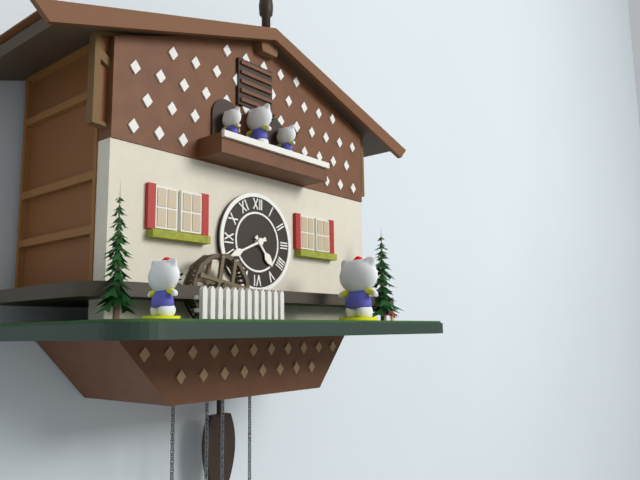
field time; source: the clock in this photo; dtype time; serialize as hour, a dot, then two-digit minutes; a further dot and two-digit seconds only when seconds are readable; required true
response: 4.41
